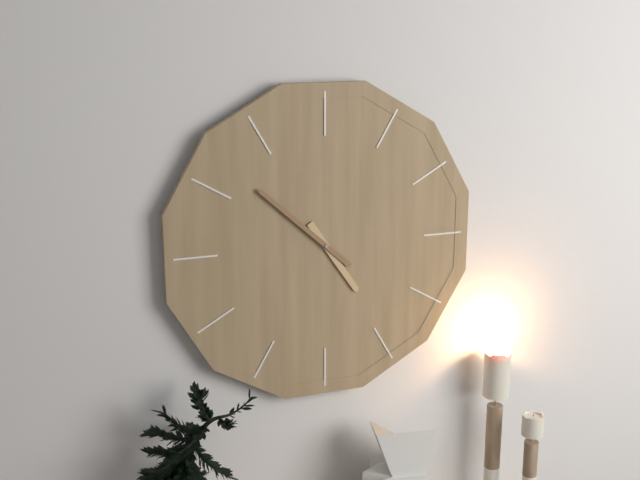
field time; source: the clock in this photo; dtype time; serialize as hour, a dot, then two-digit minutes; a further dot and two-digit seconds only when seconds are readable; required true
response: 4.52
